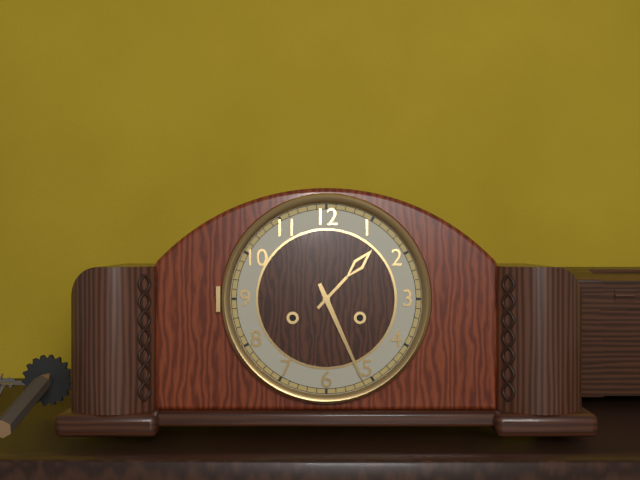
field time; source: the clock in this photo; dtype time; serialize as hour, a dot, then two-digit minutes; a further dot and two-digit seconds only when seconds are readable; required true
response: 1.26
